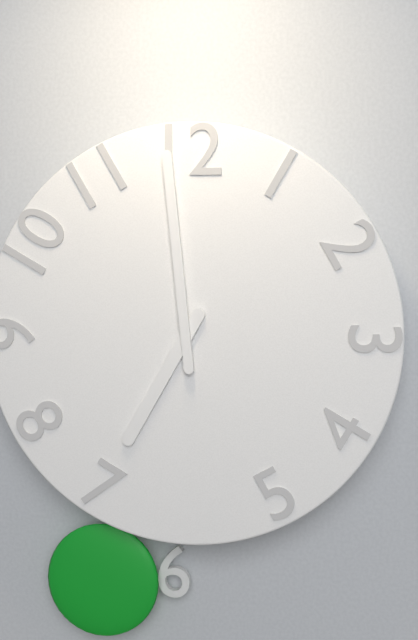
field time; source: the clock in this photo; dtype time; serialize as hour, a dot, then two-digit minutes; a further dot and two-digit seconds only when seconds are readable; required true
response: 6.59
